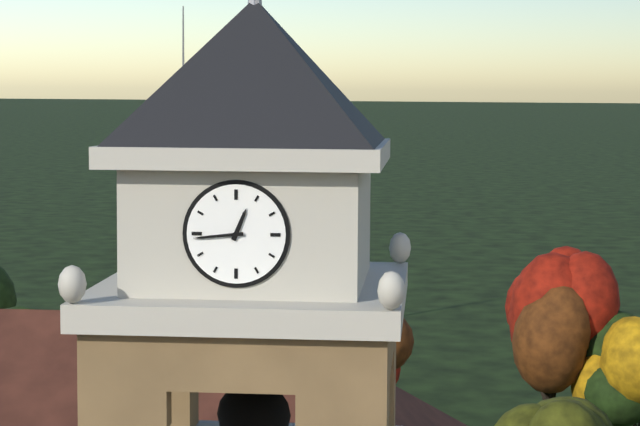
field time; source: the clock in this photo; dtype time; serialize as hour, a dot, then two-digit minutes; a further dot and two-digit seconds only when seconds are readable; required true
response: 12.44
